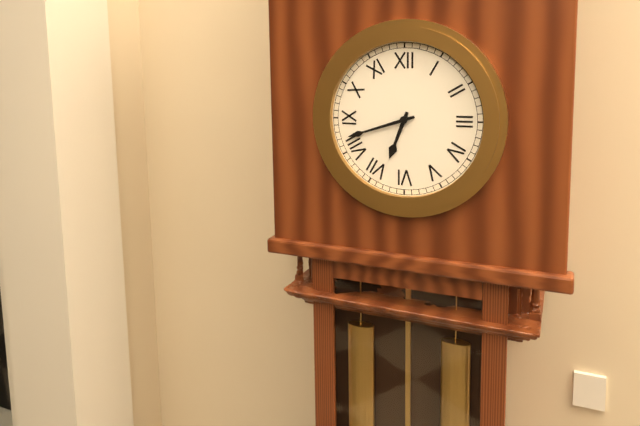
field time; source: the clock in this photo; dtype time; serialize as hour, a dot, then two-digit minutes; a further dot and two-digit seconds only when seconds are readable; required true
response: 6.42
